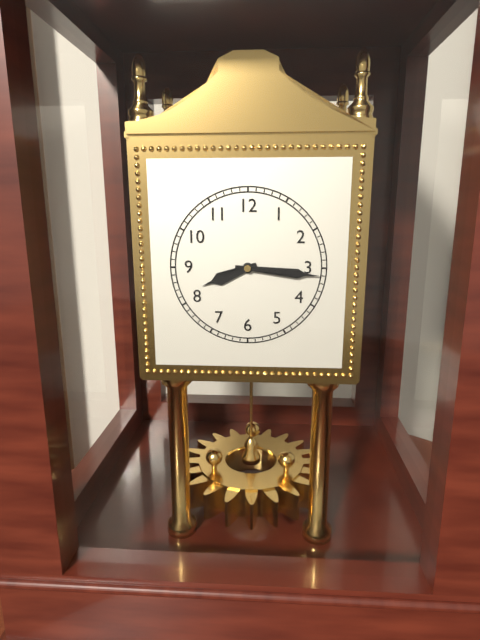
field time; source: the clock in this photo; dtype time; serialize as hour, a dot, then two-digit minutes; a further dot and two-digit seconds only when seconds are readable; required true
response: 8.16
